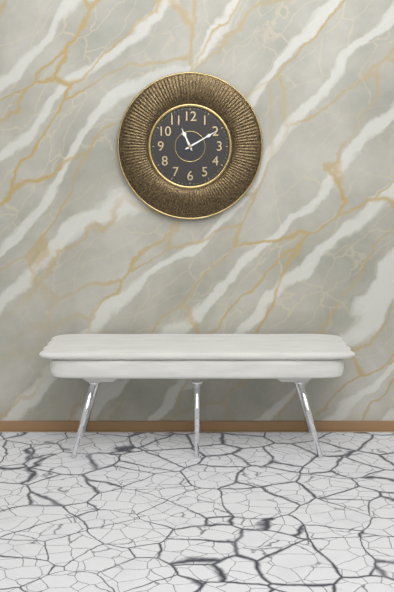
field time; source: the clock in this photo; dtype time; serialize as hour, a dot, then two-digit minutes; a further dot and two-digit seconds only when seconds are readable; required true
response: 11.10
